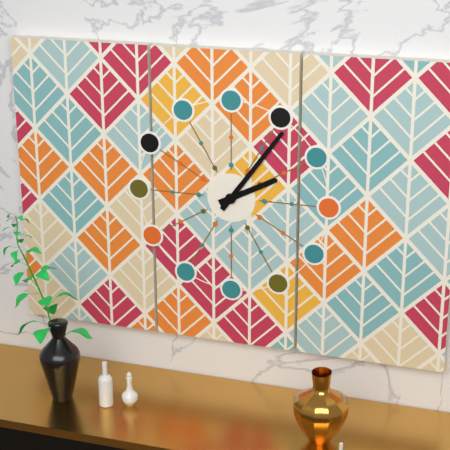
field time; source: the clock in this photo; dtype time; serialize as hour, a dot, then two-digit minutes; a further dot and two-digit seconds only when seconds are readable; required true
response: 2.06
